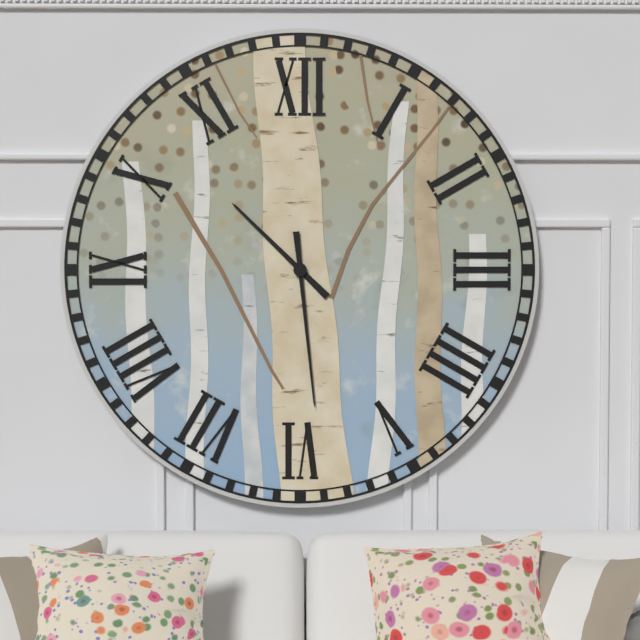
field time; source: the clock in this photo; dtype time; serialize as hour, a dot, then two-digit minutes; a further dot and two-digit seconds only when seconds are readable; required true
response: 10.29
